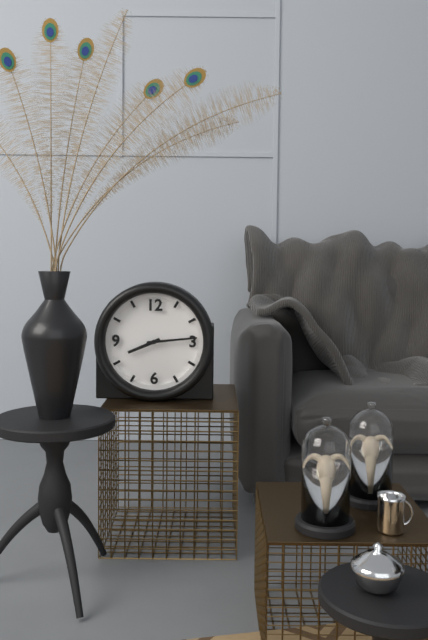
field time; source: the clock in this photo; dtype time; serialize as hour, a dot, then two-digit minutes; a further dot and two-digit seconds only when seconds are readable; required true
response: 8.14
